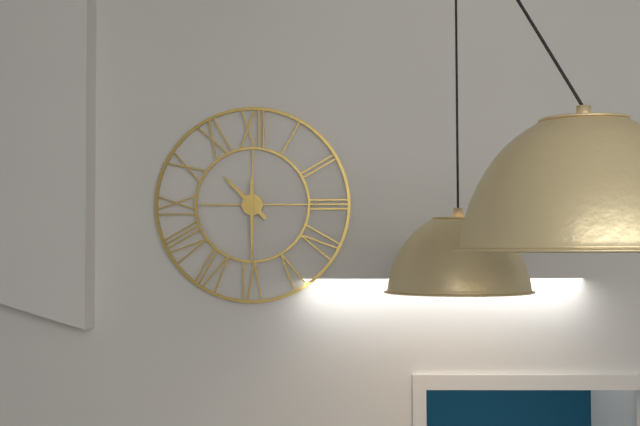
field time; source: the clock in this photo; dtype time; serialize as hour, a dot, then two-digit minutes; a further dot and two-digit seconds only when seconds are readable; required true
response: 10.30
